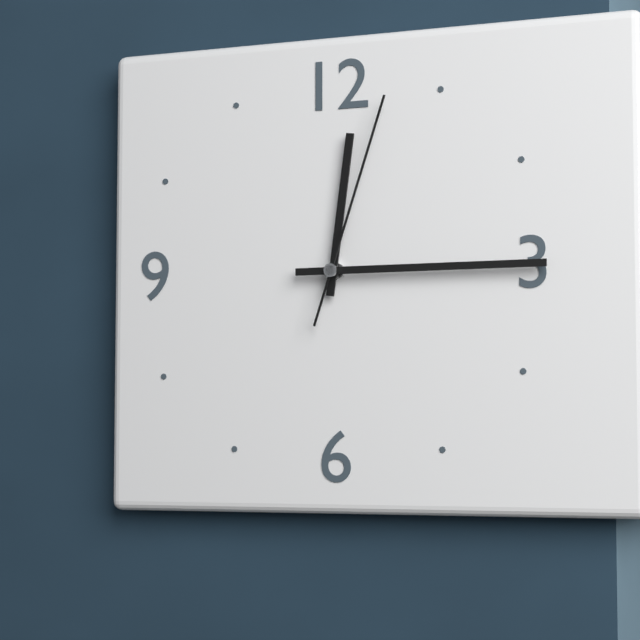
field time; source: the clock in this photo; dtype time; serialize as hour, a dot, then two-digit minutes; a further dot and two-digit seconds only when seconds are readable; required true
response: 12.15.03
